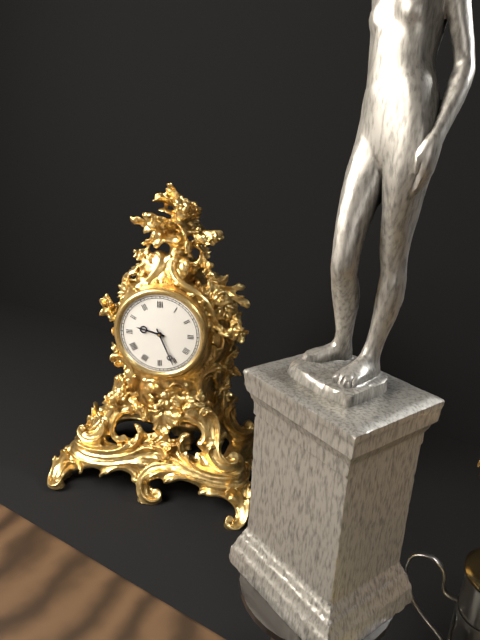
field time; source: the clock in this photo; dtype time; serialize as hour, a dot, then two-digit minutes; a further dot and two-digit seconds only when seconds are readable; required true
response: 9.26
